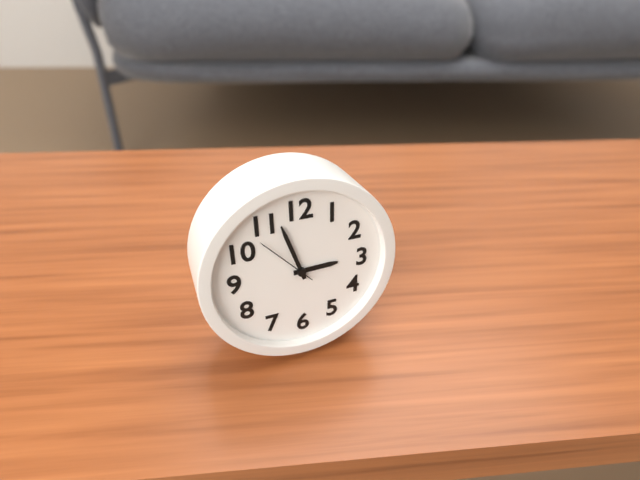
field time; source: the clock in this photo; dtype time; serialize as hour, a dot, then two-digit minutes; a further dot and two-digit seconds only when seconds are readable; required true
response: 2.57.53
